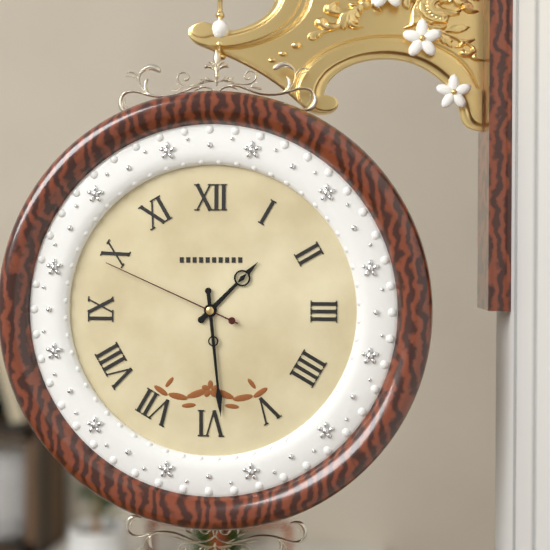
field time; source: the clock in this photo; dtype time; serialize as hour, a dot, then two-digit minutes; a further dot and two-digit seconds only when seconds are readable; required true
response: 1.29.49
